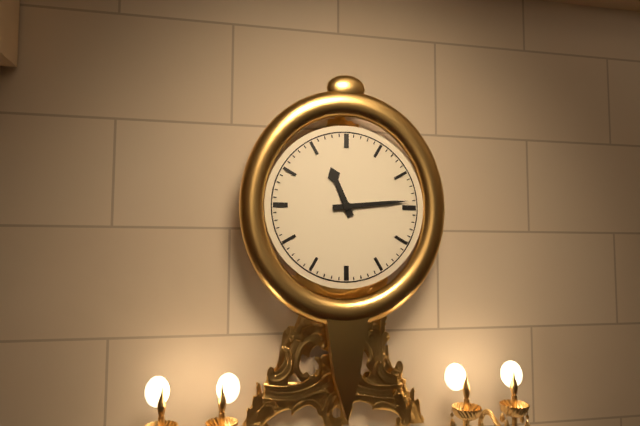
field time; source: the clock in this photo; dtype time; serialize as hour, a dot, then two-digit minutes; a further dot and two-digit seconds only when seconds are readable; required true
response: 11.14
